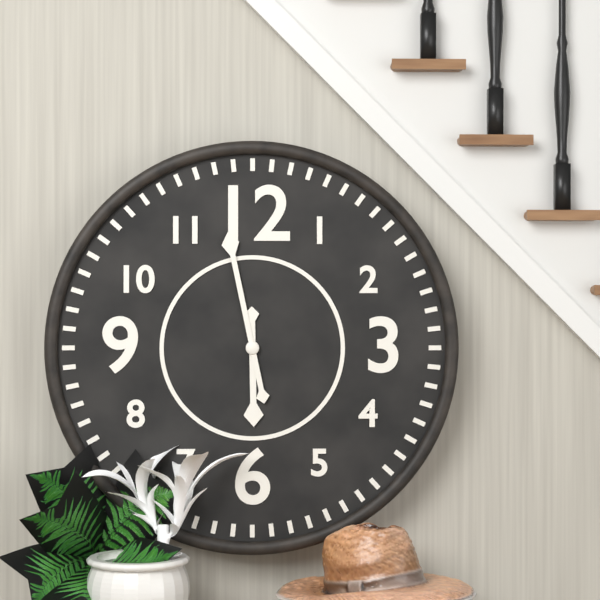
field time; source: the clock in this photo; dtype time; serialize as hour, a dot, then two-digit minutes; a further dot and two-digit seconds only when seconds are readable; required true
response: 5.58
